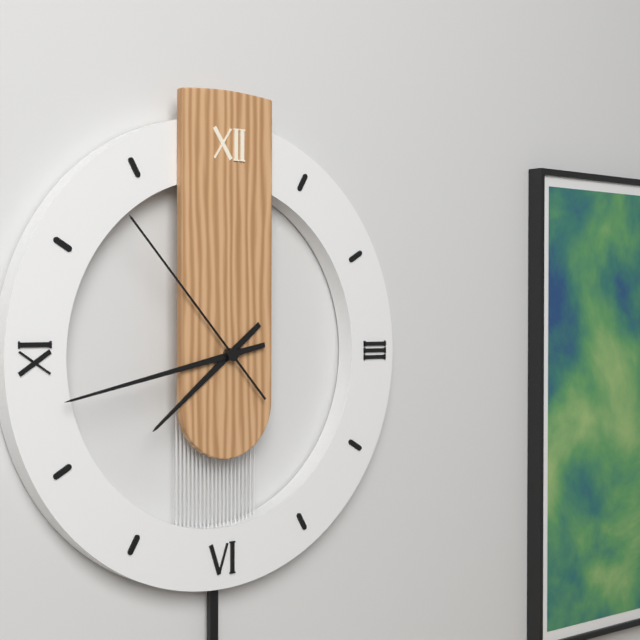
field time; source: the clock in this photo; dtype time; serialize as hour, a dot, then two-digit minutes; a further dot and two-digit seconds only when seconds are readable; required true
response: 7.43.53
